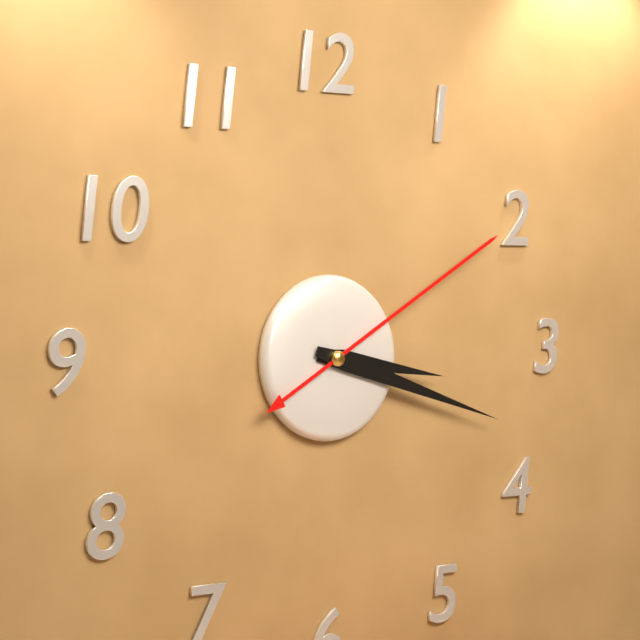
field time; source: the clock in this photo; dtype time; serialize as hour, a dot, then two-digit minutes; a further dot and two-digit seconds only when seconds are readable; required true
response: 3.18.10
